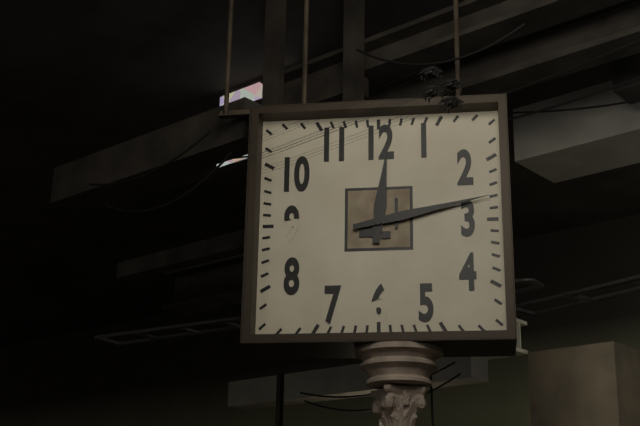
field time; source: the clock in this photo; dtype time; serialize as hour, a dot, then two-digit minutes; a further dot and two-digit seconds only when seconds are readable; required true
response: 12.13
